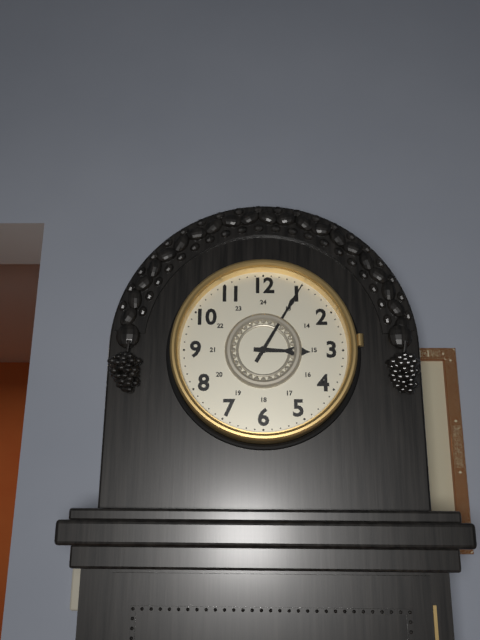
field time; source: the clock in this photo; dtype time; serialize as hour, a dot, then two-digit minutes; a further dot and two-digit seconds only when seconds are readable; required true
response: 3.05
